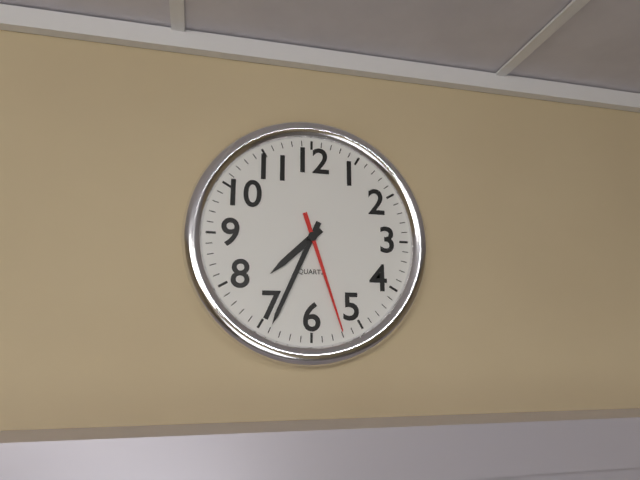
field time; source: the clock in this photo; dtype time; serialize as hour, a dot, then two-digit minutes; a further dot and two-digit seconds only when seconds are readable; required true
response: 7.34.27
